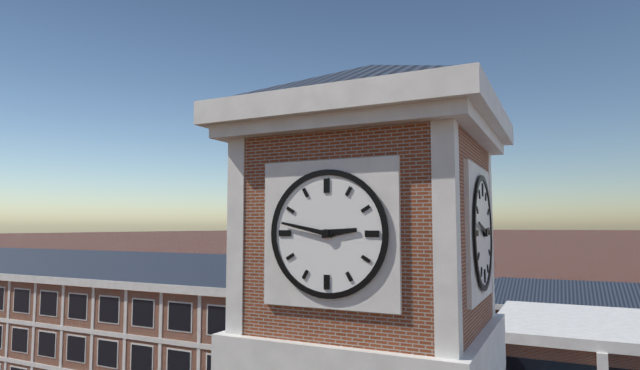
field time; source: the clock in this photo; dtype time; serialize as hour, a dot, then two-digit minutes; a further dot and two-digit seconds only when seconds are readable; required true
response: 2.47
